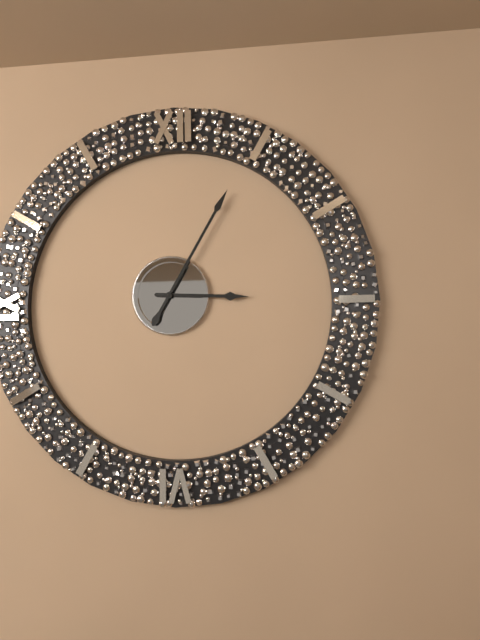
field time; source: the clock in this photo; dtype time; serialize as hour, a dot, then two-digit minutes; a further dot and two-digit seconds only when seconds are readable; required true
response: 3.05
